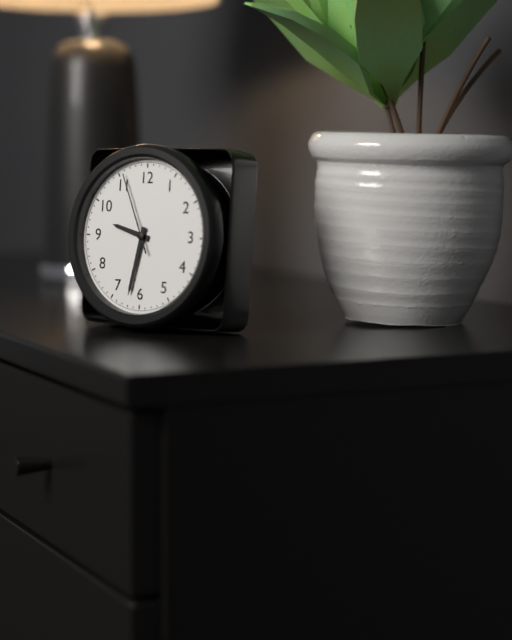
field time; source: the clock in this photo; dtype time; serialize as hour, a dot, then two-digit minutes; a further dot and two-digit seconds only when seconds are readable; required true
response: 9.32.56
